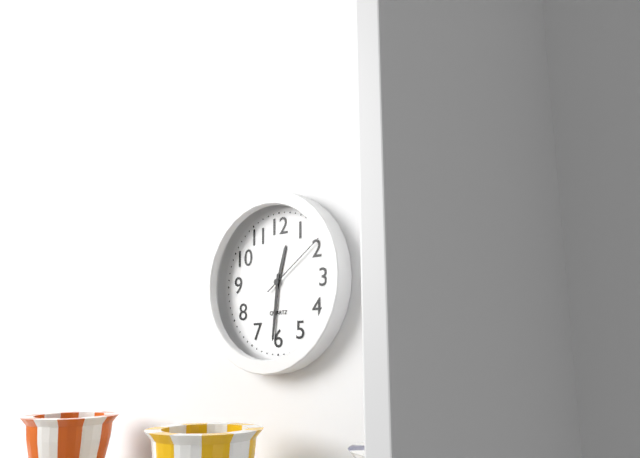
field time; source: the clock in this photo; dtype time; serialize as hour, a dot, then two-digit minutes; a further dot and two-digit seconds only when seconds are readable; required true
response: 12.31.09
